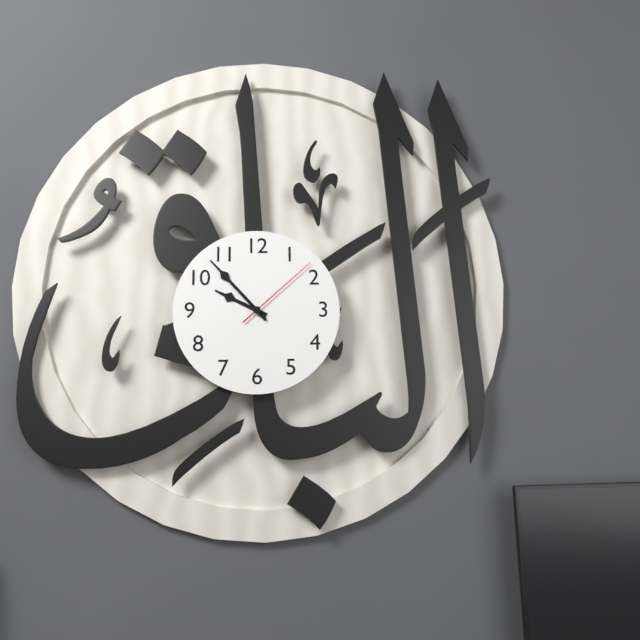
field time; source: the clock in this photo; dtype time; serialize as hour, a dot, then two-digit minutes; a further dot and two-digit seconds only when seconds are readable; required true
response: 9.53.08
